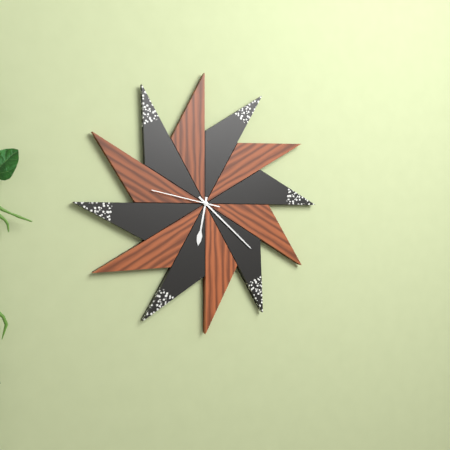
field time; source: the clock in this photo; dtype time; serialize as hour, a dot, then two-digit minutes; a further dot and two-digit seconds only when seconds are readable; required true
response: 6.22.47
